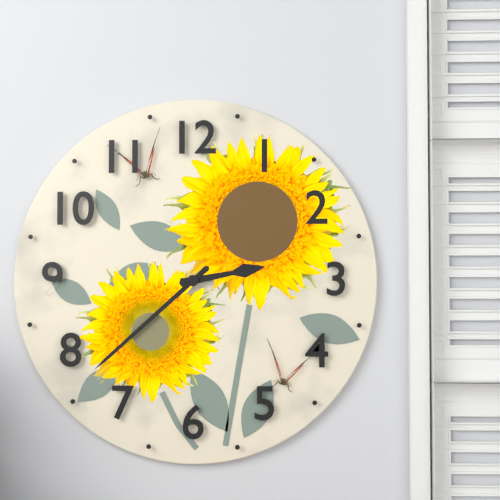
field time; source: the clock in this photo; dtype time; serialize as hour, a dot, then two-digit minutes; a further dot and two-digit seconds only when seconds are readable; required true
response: 2.38
